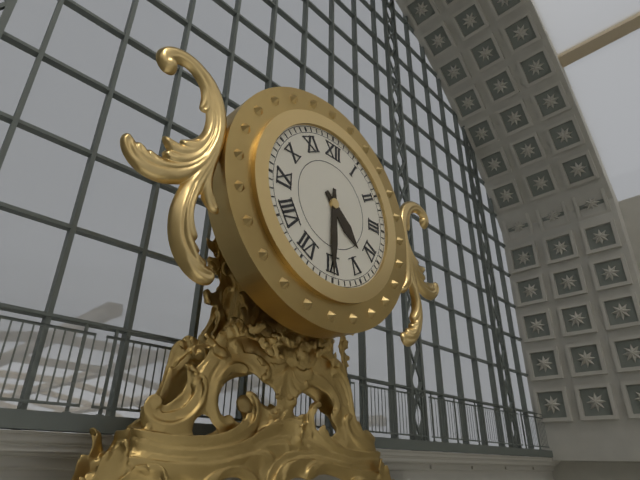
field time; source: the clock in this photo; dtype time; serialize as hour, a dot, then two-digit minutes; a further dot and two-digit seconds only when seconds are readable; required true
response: 4.30
